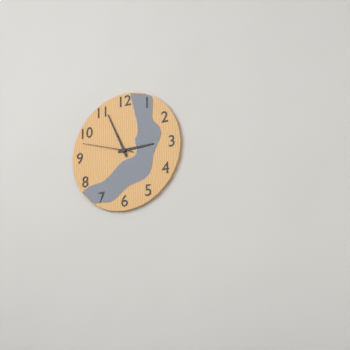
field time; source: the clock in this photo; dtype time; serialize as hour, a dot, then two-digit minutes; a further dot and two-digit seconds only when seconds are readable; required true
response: 2.56.48
